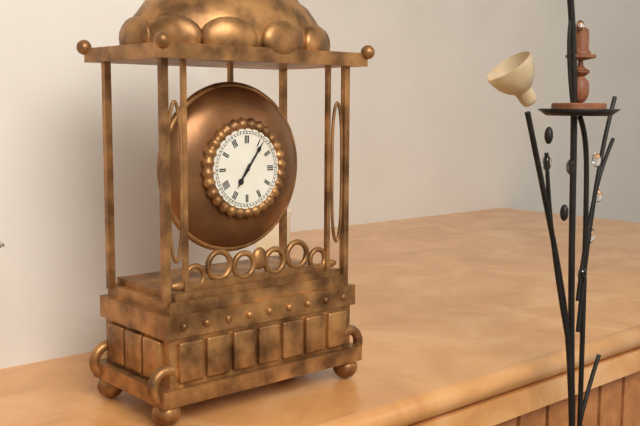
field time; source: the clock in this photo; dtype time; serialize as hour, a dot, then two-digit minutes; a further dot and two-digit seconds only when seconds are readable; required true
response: 7.06
